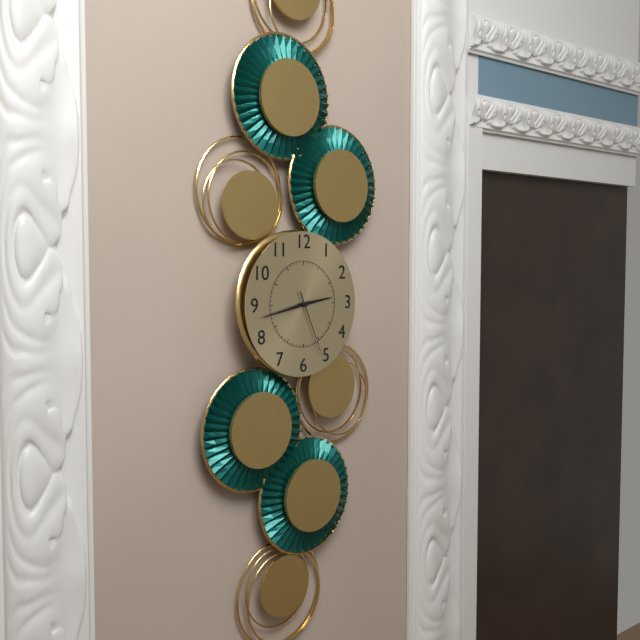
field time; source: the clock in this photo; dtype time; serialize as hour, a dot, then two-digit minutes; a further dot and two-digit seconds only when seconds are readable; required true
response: 2.43.26
